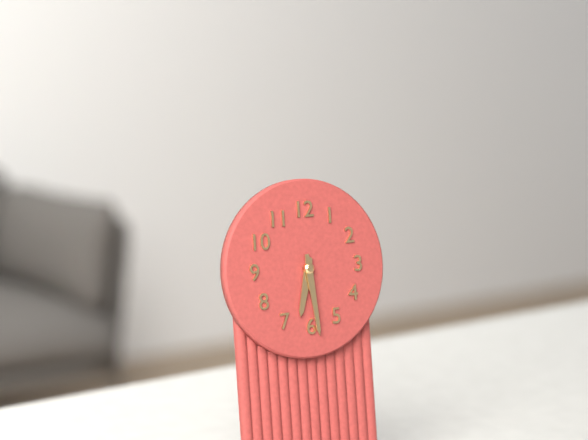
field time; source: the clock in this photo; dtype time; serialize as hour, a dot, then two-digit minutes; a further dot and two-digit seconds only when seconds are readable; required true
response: 6.29
